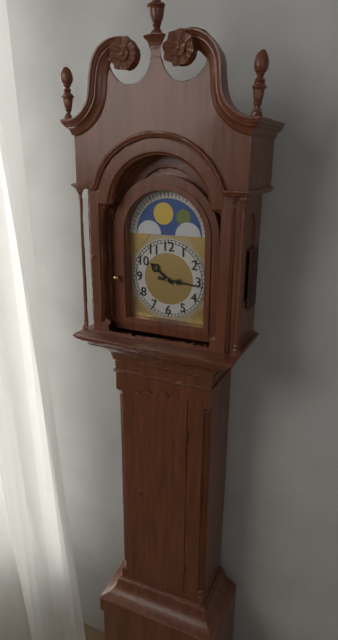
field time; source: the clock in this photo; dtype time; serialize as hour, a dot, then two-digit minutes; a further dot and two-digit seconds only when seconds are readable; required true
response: 10.16
